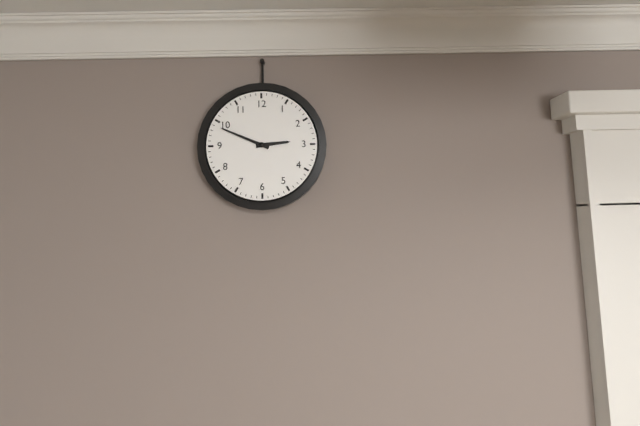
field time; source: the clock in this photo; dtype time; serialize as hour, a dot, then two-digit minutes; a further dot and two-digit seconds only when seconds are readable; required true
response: 2.49
